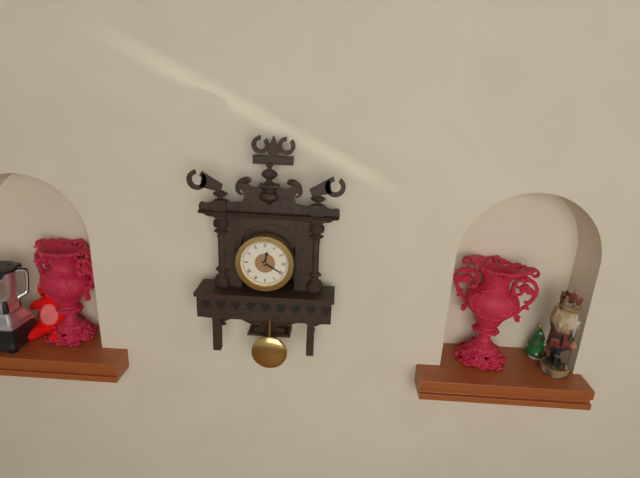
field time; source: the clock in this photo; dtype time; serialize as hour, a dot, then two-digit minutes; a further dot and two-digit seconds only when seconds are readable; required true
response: 12.20
